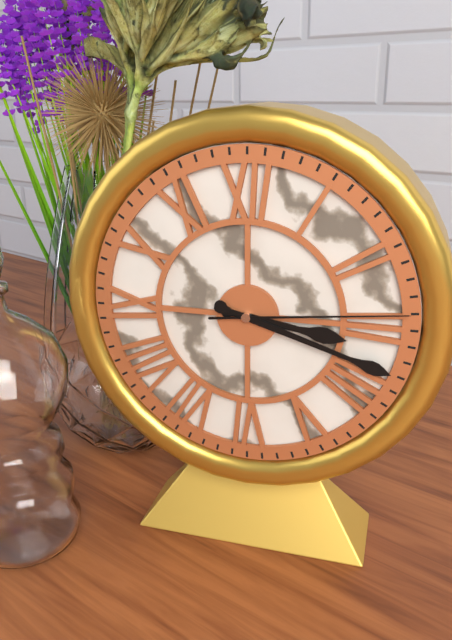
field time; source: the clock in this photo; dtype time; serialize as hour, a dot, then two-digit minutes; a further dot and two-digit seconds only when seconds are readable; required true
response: 3.18.14
